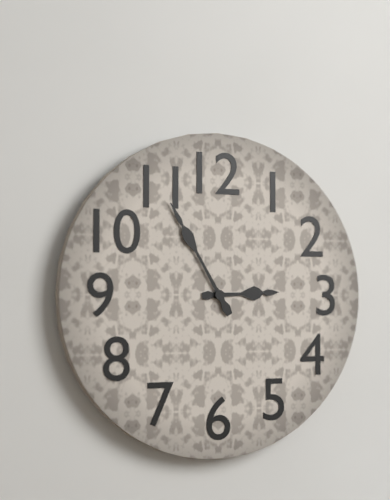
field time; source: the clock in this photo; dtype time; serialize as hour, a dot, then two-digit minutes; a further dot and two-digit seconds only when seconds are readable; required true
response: 2.55
